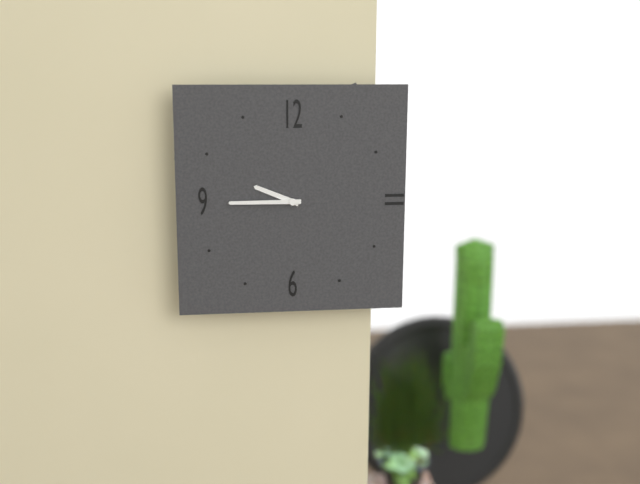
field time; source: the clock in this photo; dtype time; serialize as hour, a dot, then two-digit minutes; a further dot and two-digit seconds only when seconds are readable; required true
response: 9.45
